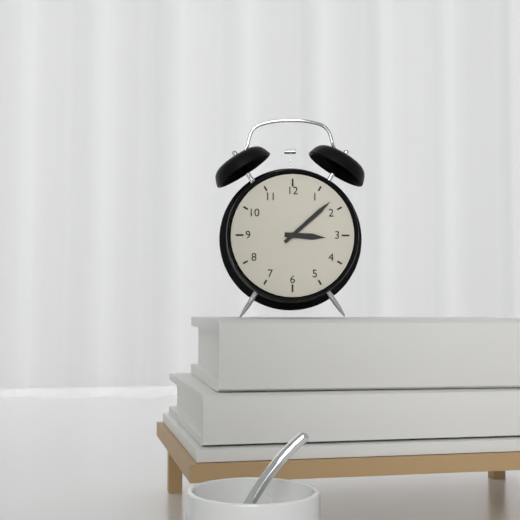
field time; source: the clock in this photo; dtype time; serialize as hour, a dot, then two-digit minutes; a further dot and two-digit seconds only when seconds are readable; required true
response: 3.08
